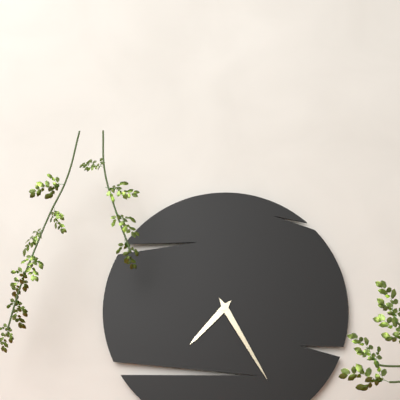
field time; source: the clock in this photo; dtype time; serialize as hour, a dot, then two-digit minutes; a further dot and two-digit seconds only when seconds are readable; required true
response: 7.25
